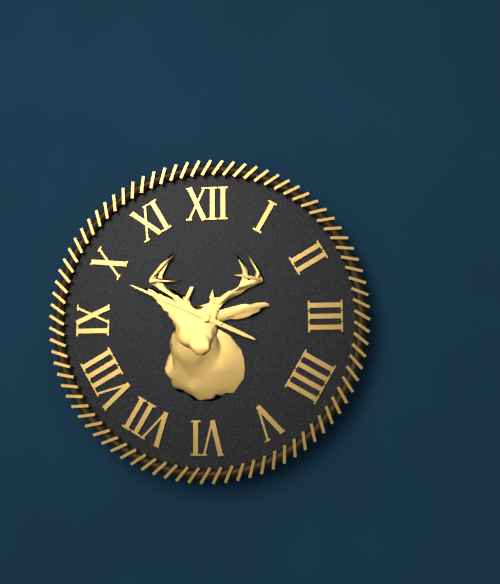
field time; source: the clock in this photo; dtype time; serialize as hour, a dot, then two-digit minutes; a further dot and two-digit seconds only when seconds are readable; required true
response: 3.49
